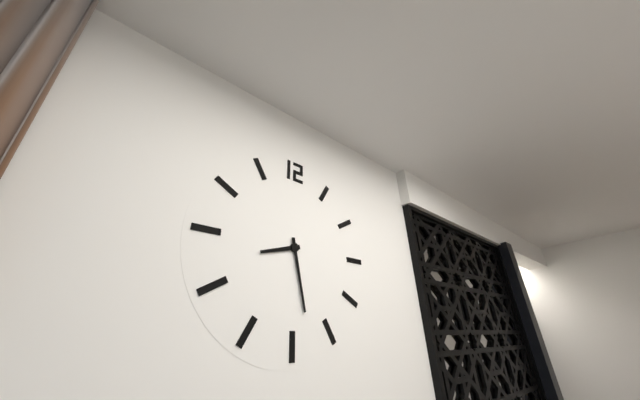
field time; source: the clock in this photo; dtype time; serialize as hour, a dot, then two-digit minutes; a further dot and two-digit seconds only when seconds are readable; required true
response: 8.28
